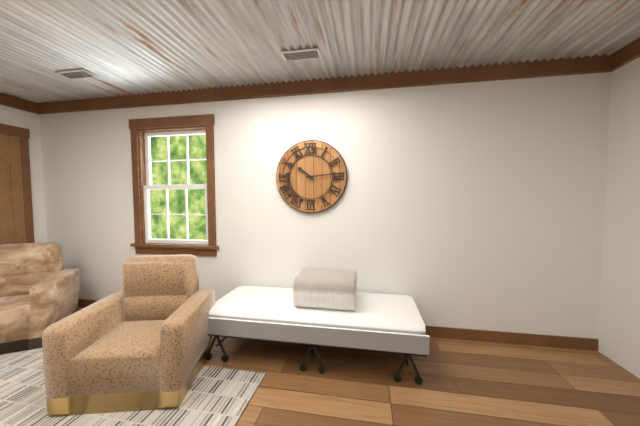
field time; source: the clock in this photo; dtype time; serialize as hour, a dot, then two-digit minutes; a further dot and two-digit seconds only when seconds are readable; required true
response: 10.14
